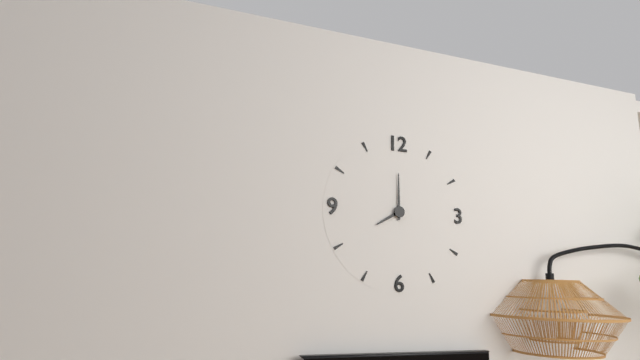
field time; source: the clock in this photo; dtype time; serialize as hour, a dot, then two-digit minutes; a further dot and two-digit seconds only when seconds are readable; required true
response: 8.00
